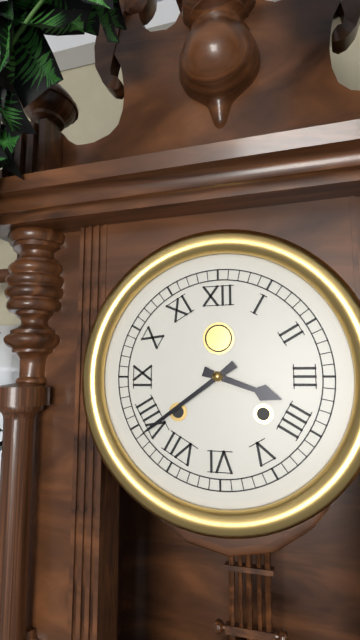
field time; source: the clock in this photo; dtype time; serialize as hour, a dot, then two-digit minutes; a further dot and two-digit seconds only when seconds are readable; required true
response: 3.39
